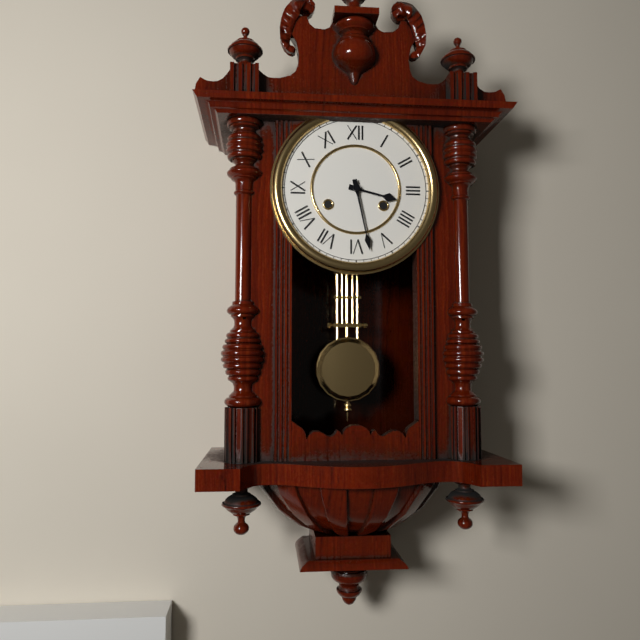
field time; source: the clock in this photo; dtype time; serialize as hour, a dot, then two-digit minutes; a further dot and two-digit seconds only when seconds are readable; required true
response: 3.28
